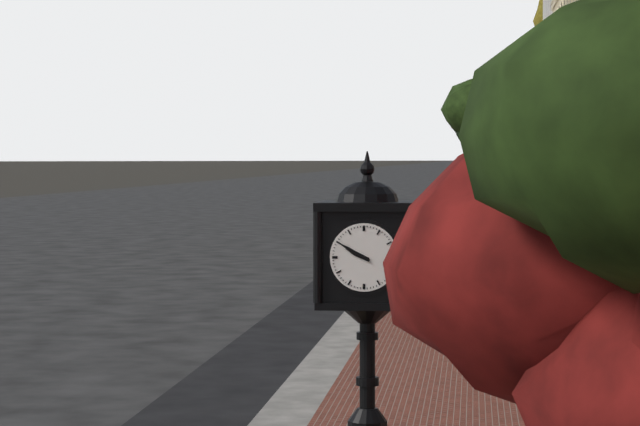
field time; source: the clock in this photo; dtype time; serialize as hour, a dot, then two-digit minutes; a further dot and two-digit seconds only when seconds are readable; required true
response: 9.50
